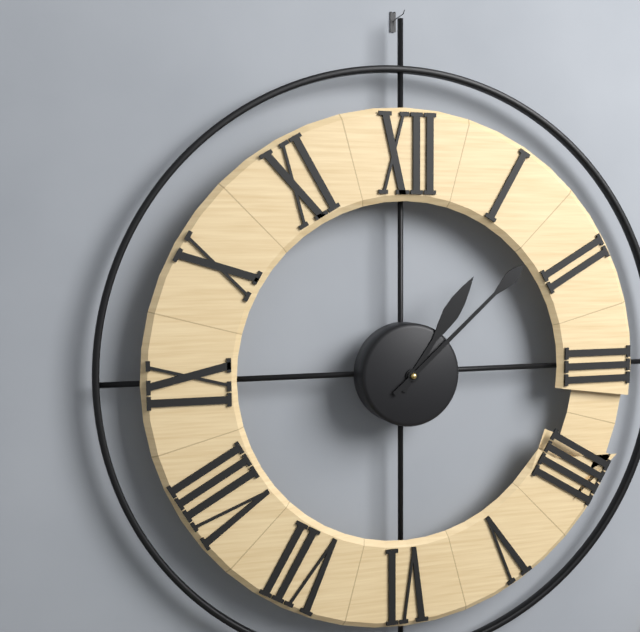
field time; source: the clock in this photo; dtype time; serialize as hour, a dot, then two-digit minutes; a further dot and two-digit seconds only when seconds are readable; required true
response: 1.08
